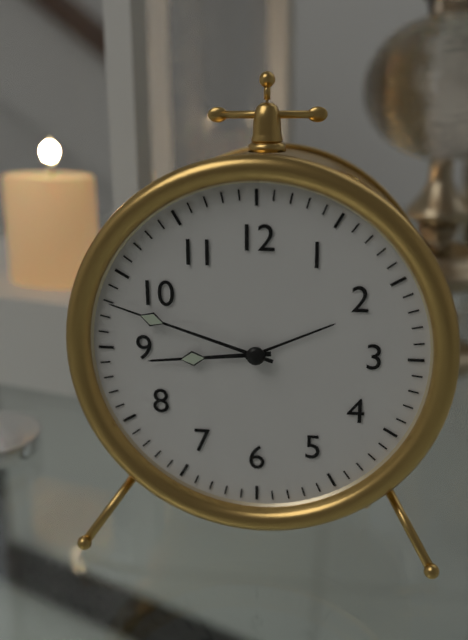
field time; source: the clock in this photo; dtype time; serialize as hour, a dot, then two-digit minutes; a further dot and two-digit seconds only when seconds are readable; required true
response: 8.48
